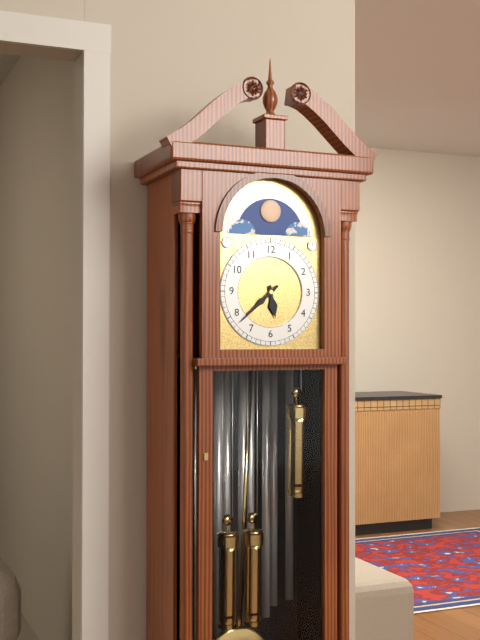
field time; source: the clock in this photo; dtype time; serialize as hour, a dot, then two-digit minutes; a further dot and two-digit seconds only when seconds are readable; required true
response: 5.38
